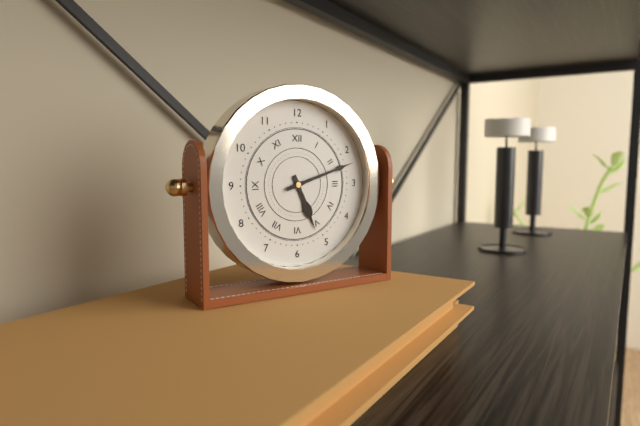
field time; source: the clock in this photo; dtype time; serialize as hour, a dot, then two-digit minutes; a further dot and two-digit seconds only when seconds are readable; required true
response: 5.12
